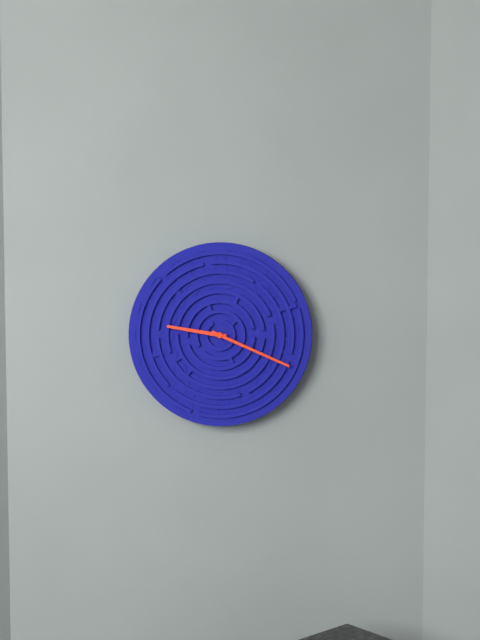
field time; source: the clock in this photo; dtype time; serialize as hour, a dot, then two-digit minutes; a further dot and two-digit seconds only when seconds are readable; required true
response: 9.19
